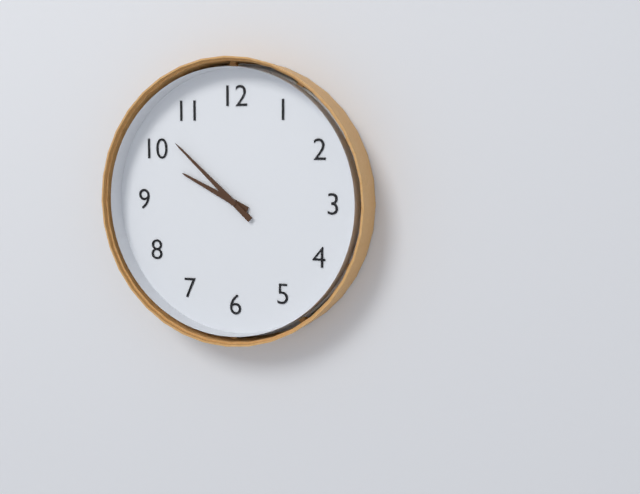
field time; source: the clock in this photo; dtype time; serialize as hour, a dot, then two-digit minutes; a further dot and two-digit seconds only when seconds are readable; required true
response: 9.52
